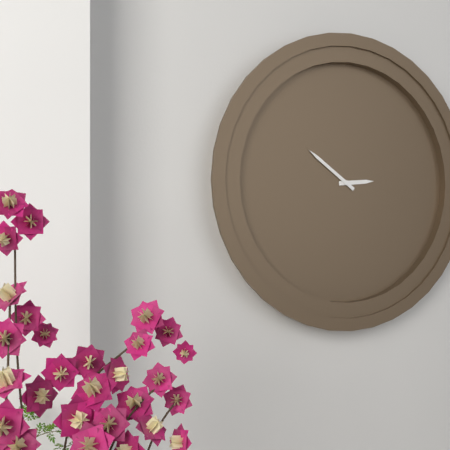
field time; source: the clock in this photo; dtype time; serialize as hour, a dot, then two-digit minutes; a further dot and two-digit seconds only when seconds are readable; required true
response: 2.51
